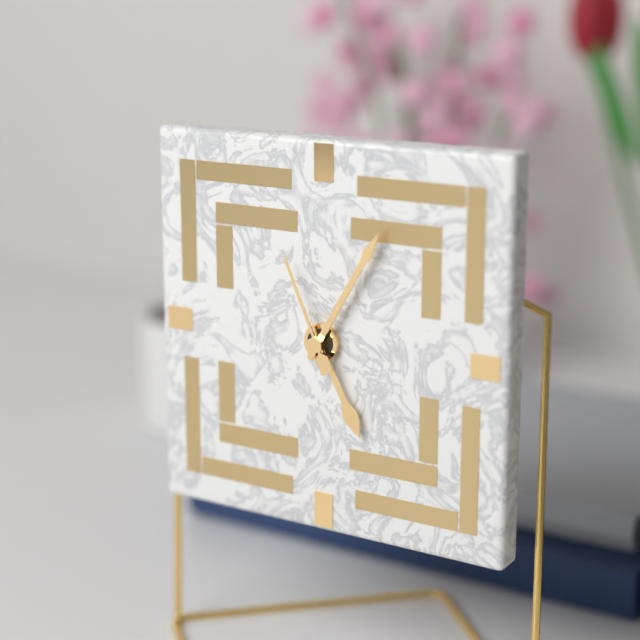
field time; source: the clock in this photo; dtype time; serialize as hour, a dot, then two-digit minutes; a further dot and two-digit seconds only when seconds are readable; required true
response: 5.05.56
